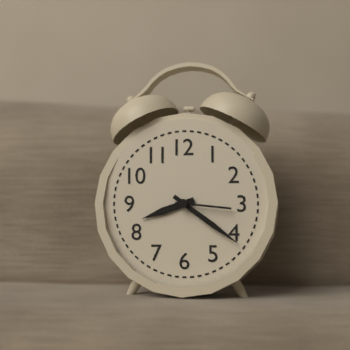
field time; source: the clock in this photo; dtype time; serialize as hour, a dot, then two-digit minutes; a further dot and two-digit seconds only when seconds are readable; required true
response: 8.21.16
